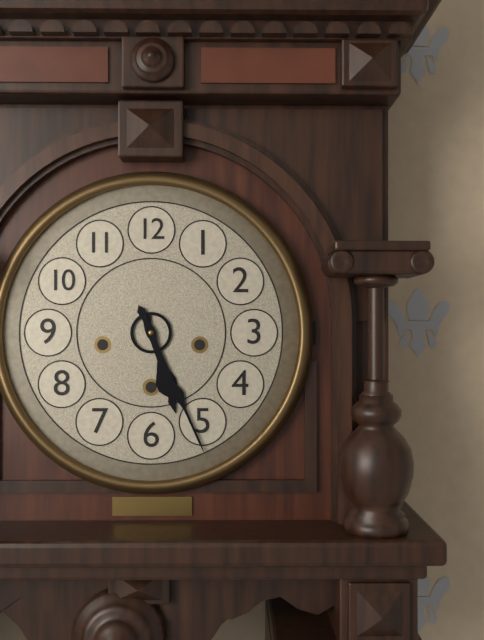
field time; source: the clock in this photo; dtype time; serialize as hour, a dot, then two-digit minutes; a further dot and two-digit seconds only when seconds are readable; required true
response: 5.26
